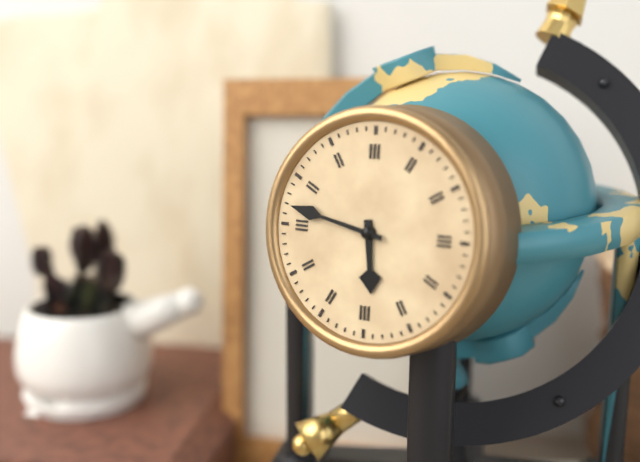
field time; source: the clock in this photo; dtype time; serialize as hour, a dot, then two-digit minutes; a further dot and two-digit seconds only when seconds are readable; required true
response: 5.47
